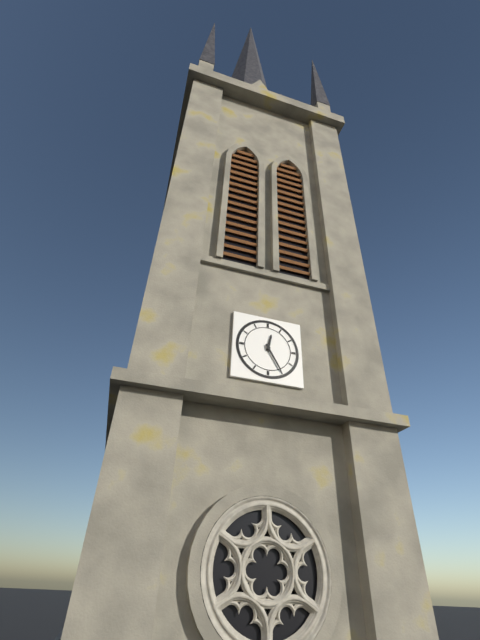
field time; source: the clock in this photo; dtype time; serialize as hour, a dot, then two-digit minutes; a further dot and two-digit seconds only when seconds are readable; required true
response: 12.25
